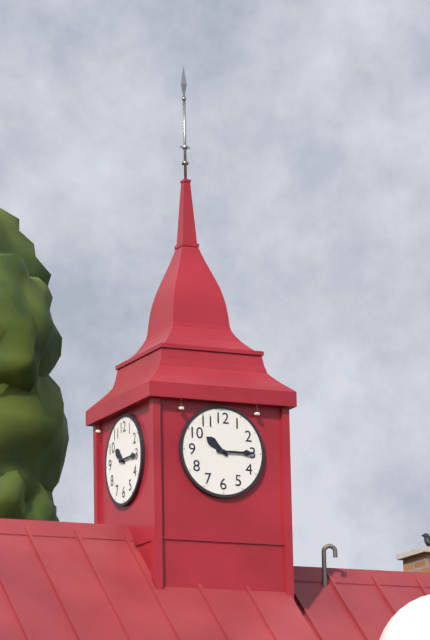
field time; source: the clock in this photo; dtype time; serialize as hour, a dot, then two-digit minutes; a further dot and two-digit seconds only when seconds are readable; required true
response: 10.15
